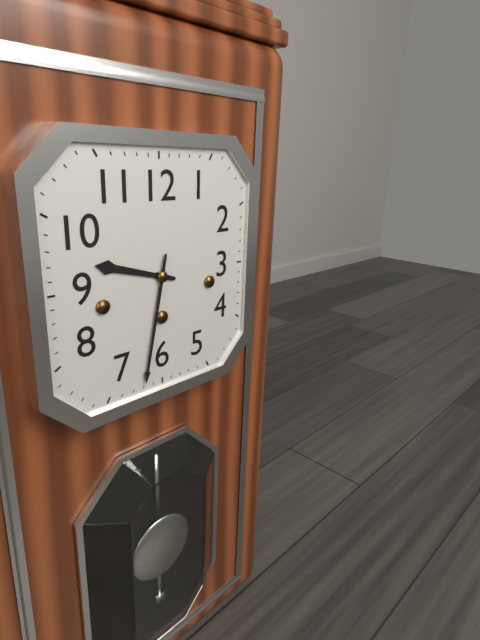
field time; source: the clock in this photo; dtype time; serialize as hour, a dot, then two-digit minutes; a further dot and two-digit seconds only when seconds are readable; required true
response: 9.32
